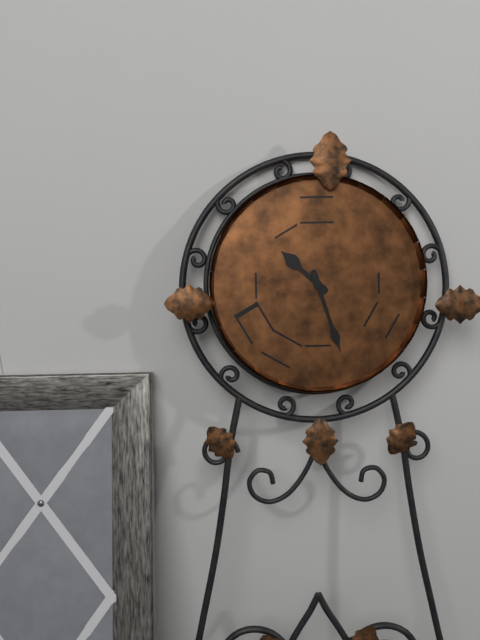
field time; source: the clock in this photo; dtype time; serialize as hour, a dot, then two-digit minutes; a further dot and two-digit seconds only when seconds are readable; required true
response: 10.27
